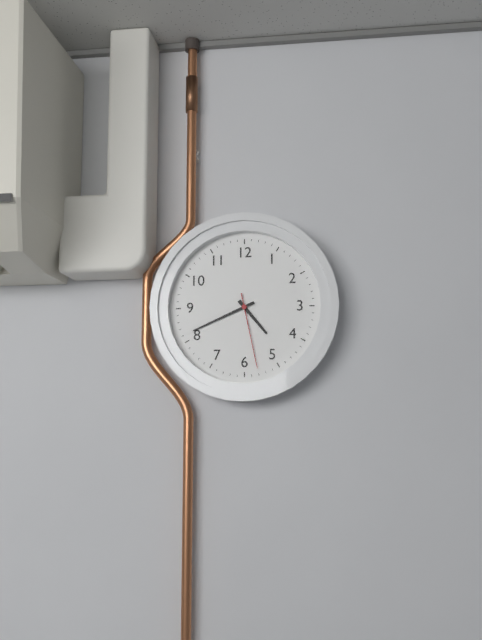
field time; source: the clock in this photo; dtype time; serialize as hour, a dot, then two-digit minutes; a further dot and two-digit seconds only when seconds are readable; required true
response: 4.41.28
